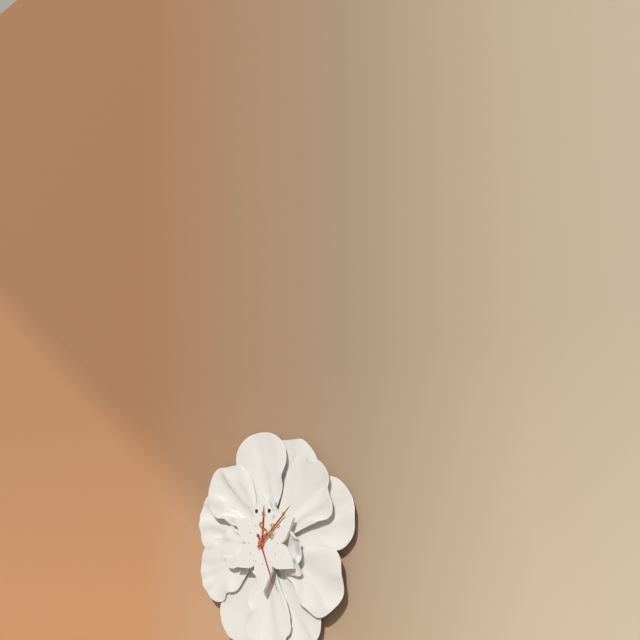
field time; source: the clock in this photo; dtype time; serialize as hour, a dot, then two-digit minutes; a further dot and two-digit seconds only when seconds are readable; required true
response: 12.08.26
